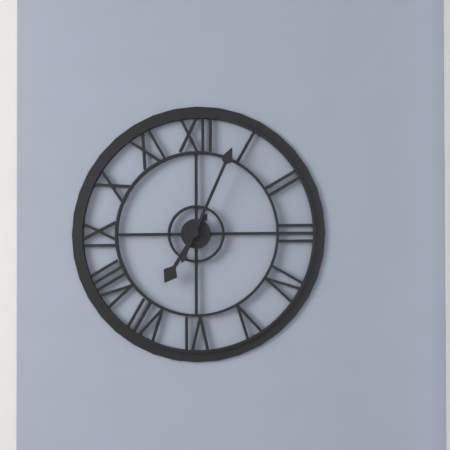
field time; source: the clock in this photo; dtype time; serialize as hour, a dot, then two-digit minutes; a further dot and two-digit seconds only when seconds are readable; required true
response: 7.04
